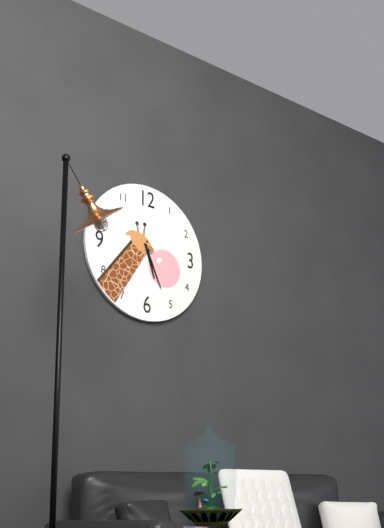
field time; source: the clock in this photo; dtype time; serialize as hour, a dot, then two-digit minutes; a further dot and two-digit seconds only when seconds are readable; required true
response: 5.26
